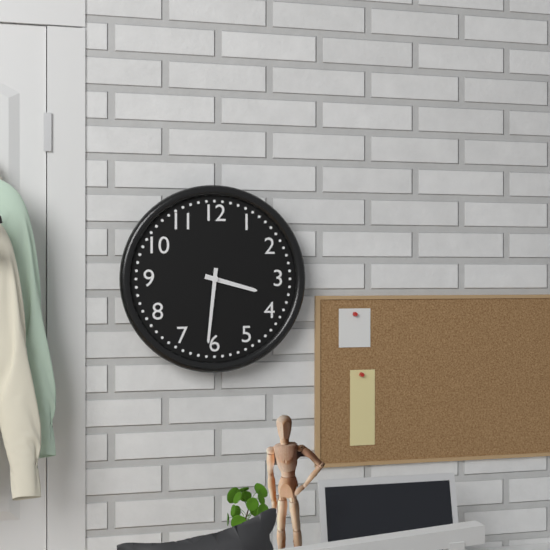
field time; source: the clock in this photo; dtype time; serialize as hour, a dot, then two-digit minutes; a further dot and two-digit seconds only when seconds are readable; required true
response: 3.31
